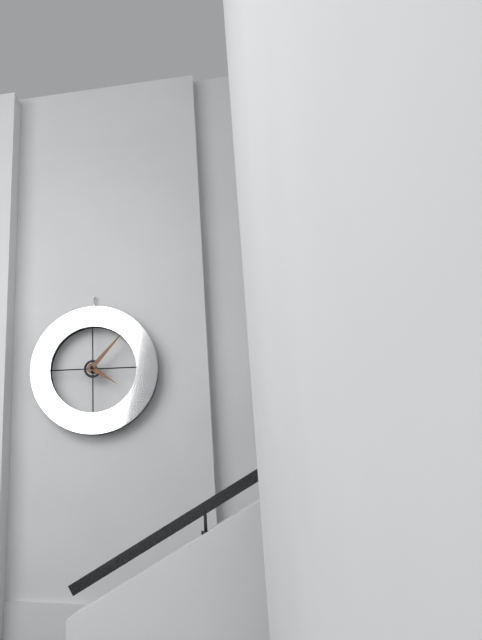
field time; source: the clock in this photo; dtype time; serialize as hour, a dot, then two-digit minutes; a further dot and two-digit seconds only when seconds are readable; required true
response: 4.07
